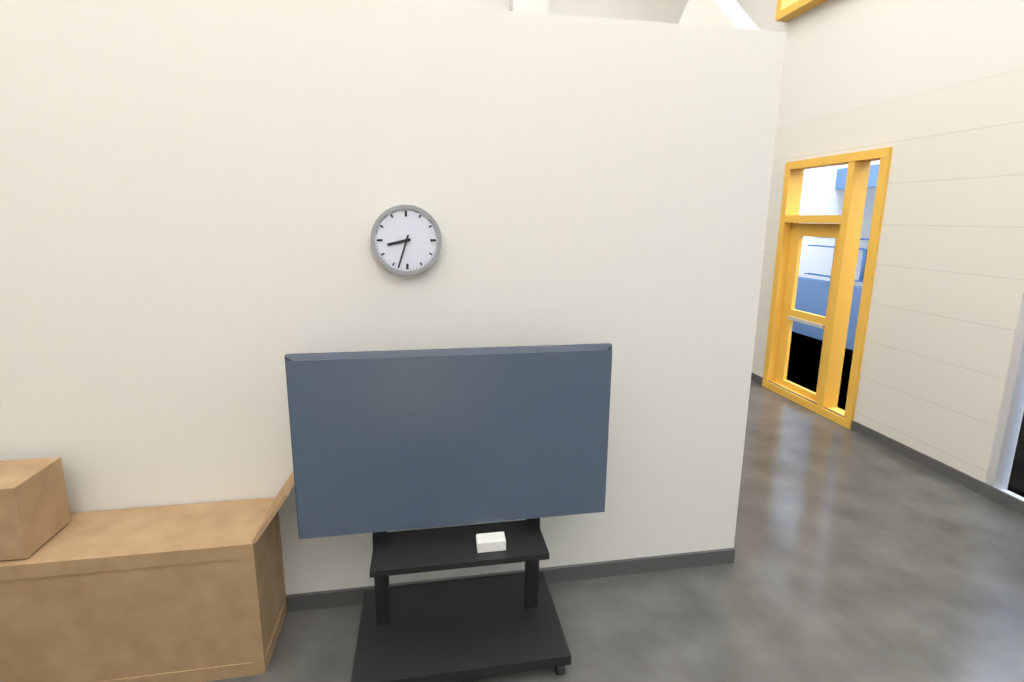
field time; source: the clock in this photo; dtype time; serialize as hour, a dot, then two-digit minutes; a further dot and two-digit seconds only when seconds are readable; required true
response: 8.33
